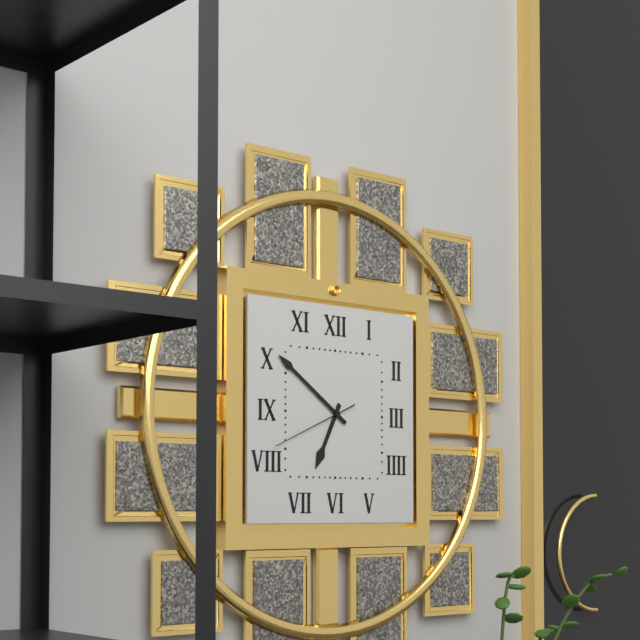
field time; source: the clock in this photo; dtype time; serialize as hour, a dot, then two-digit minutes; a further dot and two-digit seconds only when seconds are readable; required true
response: 6.51.41
